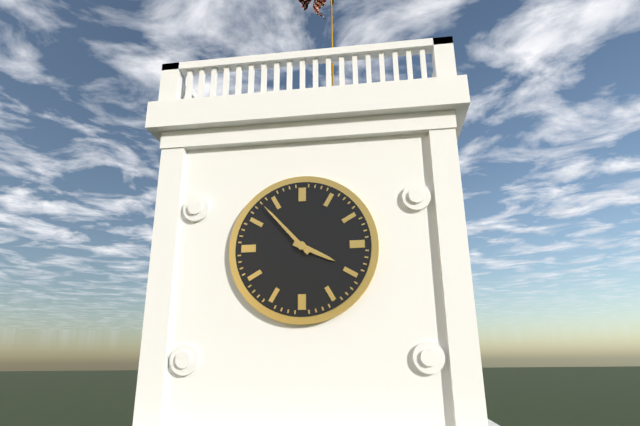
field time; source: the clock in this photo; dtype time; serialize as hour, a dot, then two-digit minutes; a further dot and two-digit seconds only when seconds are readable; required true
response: 3.53
